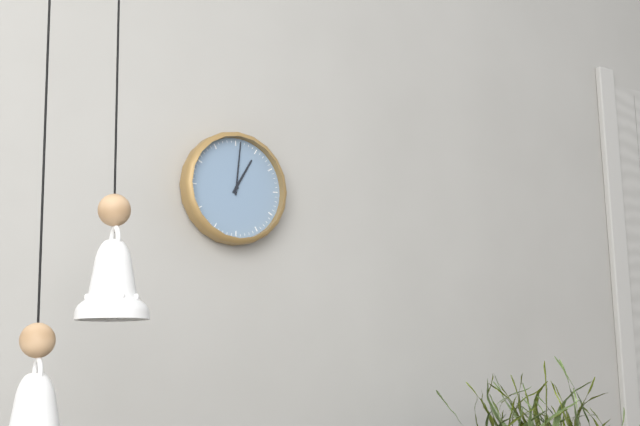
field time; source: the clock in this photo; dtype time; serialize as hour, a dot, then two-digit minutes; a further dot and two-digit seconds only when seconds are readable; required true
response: 1.01
